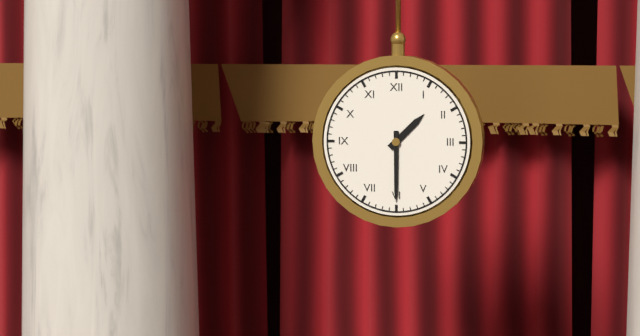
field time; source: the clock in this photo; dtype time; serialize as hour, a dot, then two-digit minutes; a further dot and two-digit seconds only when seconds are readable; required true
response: 1.30
